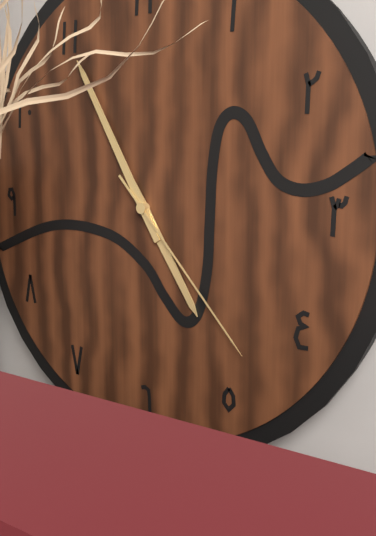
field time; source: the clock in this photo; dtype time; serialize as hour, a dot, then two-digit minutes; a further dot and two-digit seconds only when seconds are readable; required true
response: 4.55.23
